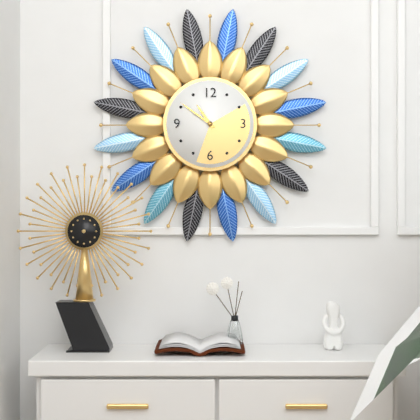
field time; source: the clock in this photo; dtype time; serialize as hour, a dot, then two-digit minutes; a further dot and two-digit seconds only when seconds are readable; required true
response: 10.51
